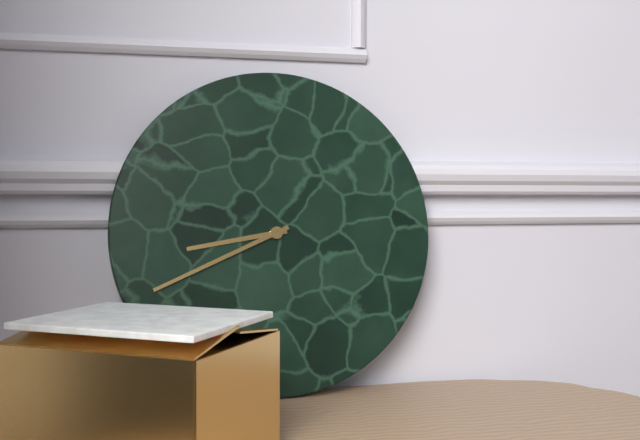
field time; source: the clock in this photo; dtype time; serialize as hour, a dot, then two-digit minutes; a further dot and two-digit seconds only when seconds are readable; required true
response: 8.41
